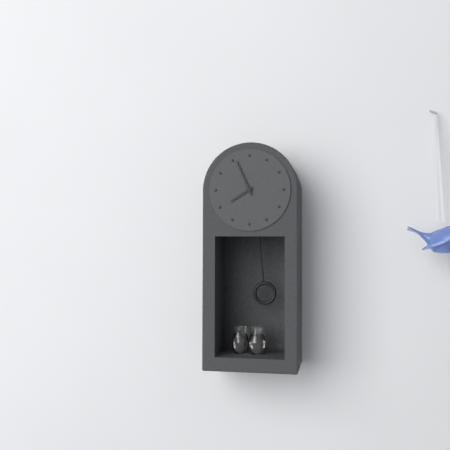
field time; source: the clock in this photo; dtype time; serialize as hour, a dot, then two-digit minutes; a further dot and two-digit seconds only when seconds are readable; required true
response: 7.56
